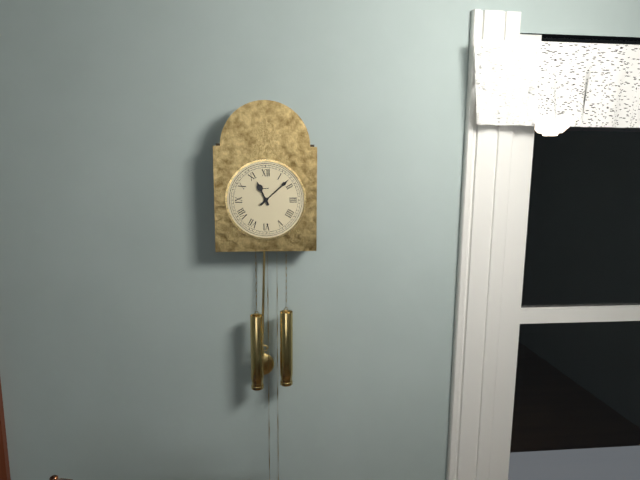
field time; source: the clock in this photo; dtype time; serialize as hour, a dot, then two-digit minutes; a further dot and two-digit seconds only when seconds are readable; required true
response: 11.08
